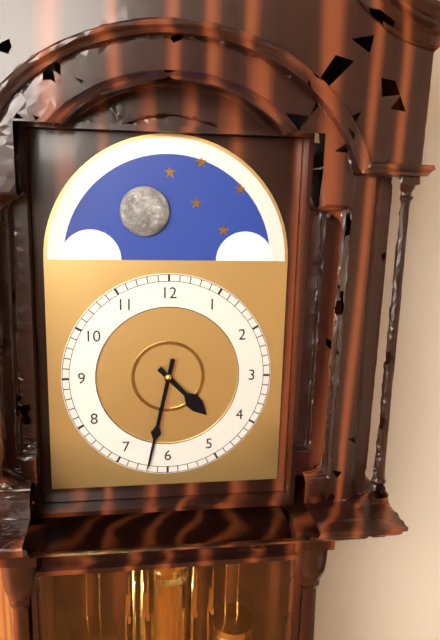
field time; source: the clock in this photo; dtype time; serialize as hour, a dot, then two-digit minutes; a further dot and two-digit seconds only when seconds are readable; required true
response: 4.32
